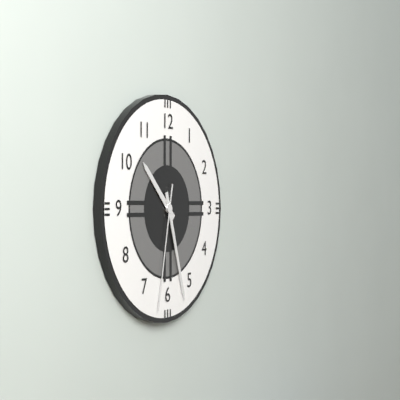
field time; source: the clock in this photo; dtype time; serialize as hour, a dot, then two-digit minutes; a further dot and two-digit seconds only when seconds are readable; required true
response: 10.27.32
